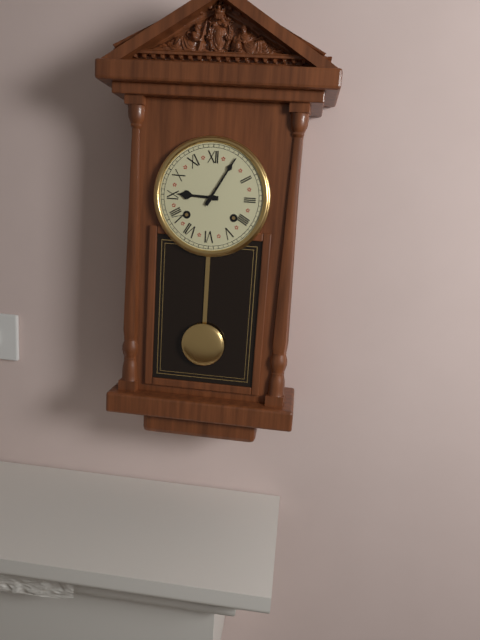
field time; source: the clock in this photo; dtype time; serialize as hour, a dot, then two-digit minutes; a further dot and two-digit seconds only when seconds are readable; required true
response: 9.05
